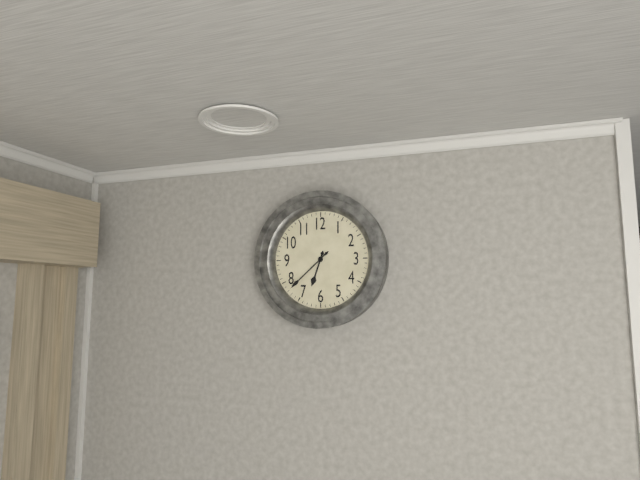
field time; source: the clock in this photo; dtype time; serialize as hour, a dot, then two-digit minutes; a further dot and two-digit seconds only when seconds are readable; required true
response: 6.38
